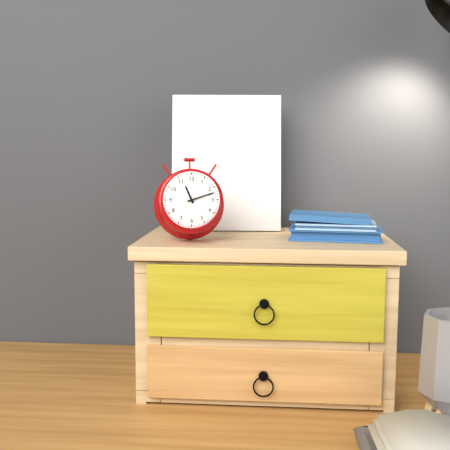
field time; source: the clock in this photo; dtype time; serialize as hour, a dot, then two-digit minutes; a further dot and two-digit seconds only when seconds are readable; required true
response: 11.12
